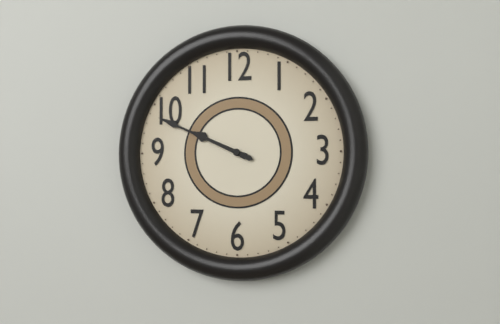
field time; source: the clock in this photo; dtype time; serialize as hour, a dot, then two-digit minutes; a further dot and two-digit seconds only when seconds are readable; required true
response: 9.49
